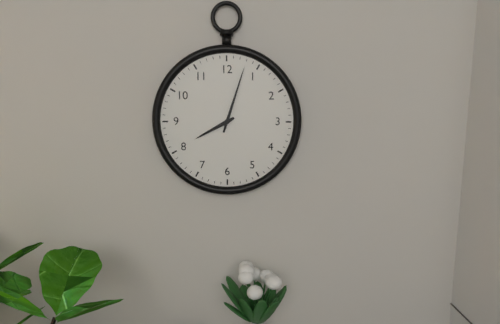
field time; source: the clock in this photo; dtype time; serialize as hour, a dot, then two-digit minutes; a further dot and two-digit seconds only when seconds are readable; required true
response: 8.03
